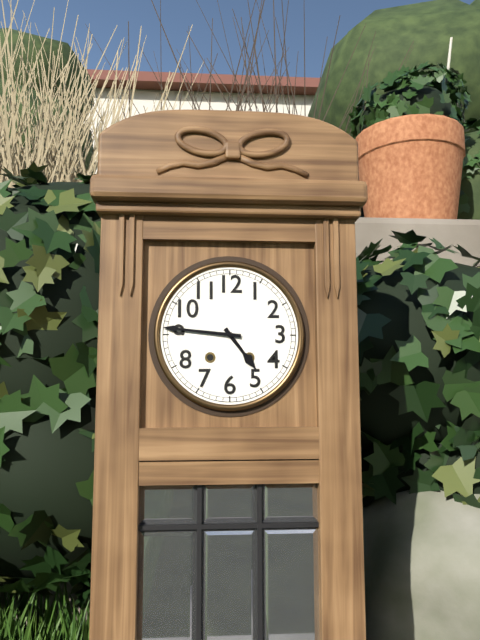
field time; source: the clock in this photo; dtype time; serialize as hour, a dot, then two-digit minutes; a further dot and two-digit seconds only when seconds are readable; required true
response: 4.46
